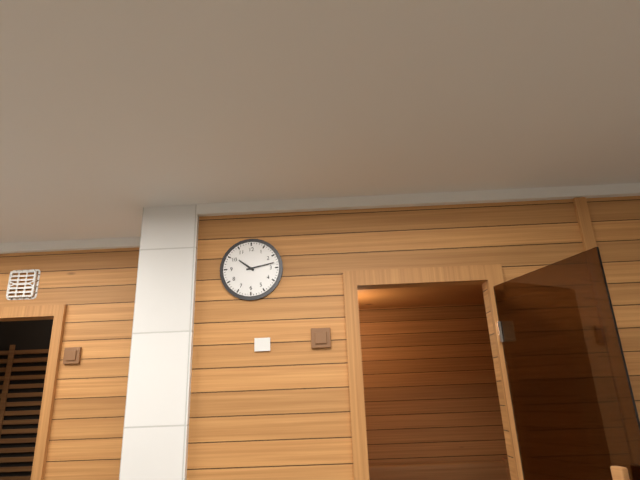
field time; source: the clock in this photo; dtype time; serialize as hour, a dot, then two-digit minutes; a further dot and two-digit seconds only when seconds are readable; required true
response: 10.13
